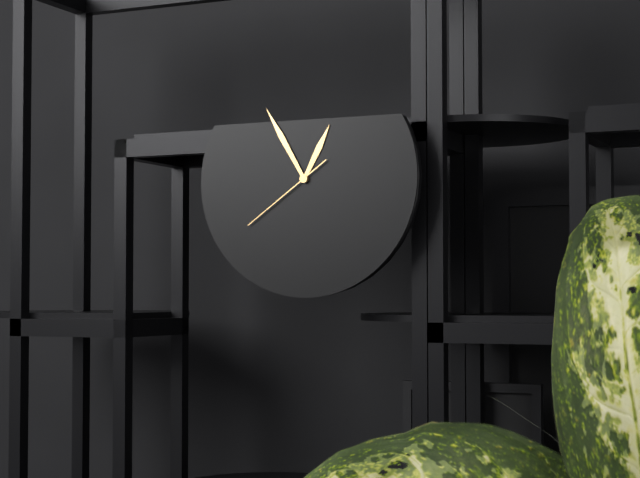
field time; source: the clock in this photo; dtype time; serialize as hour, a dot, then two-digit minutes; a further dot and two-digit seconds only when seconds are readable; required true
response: 12.55.39
